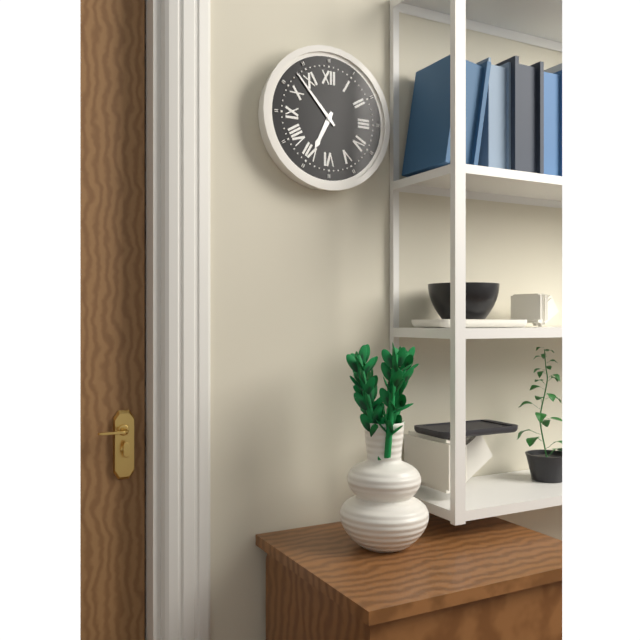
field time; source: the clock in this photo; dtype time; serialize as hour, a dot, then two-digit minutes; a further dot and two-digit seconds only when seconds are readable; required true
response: 6.53
